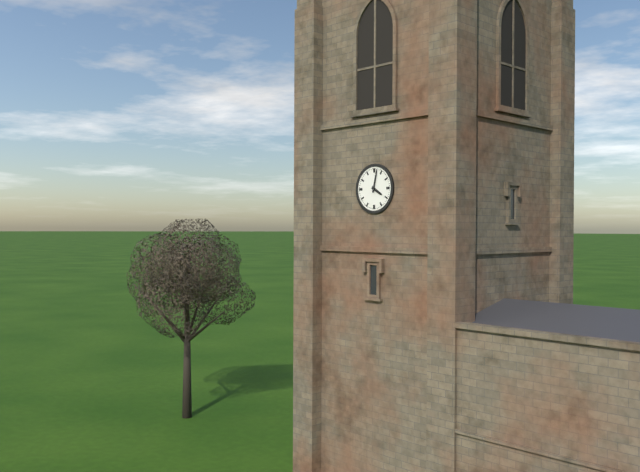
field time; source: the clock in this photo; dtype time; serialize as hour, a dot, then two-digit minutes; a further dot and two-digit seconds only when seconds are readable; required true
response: 4.02
